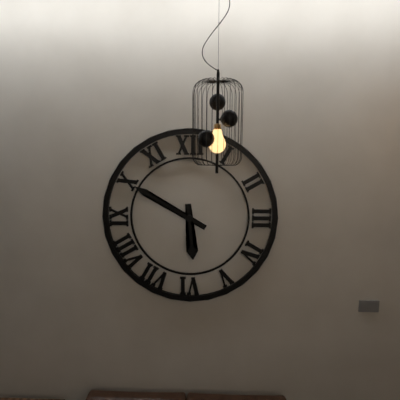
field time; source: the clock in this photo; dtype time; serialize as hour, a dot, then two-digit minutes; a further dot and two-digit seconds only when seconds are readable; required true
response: 5.50
